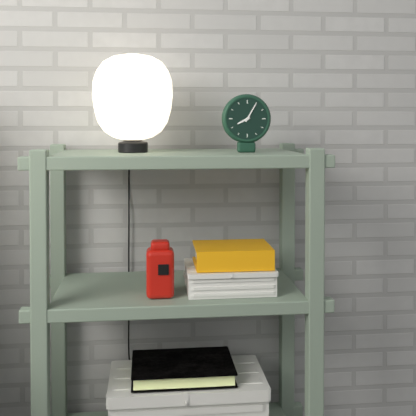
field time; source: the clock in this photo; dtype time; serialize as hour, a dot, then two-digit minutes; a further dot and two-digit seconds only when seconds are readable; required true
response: 8.05
